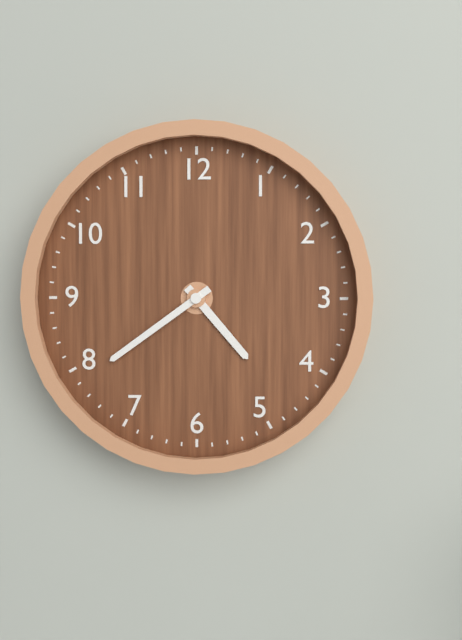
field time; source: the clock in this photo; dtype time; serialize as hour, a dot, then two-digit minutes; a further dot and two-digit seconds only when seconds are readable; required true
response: 4.39
